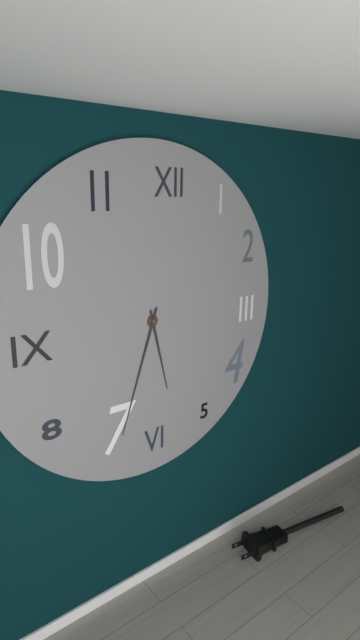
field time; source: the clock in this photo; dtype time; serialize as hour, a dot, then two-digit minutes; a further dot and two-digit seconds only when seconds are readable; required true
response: 5.33
